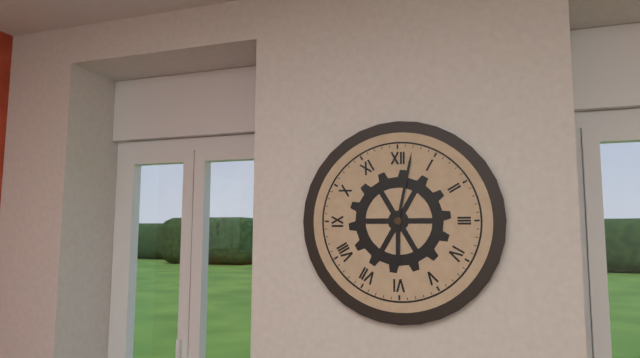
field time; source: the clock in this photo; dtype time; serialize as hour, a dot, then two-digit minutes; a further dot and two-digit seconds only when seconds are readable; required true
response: 6.02
